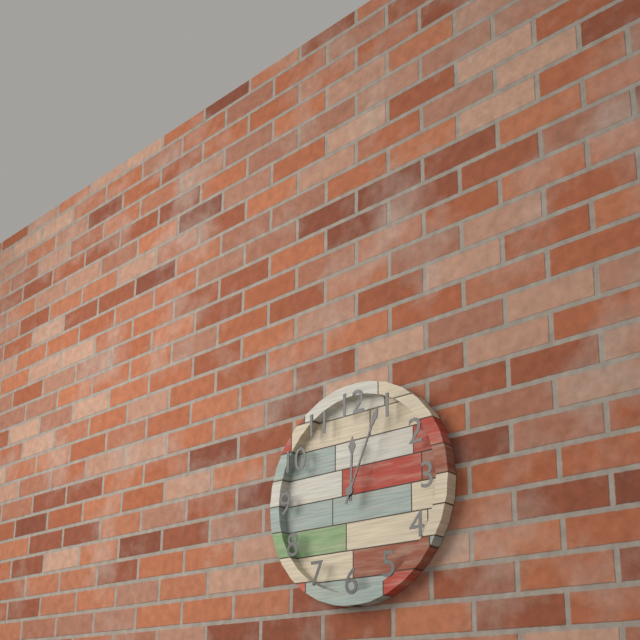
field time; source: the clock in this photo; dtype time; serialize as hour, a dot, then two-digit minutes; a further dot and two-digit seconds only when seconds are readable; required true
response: 12.04
